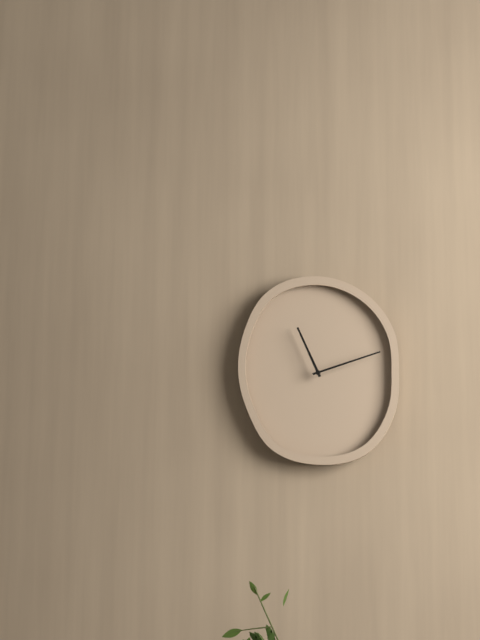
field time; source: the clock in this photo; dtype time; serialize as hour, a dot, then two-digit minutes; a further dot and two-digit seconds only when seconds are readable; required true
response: 11.12
